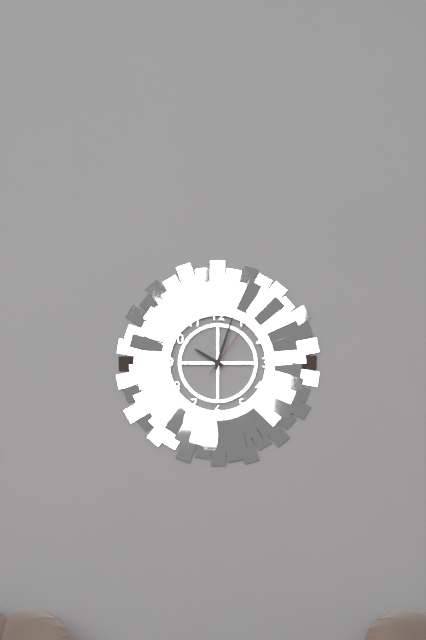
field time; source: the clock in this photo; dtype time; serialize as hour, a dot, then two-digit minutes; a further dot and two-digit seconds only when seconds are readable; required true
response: 10.03.06
